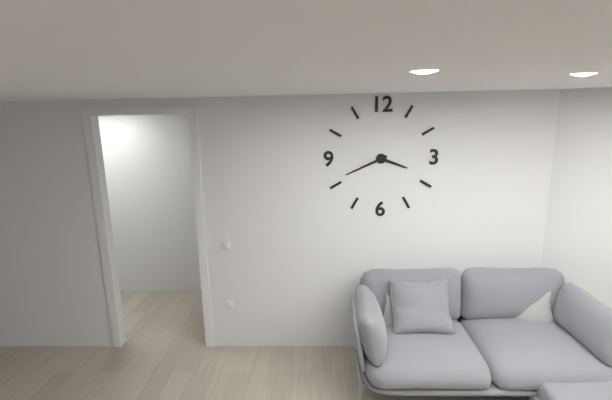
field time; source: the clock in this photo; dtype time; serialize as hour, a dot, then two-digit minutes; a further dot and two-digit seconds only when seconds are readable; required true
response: 3.41
